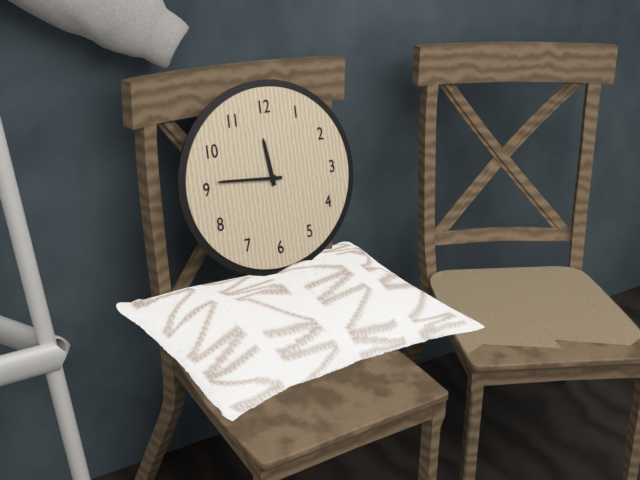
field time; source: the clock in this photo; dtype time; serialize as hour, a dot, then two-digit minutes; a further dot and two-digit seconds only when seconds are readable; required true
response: 11.46
